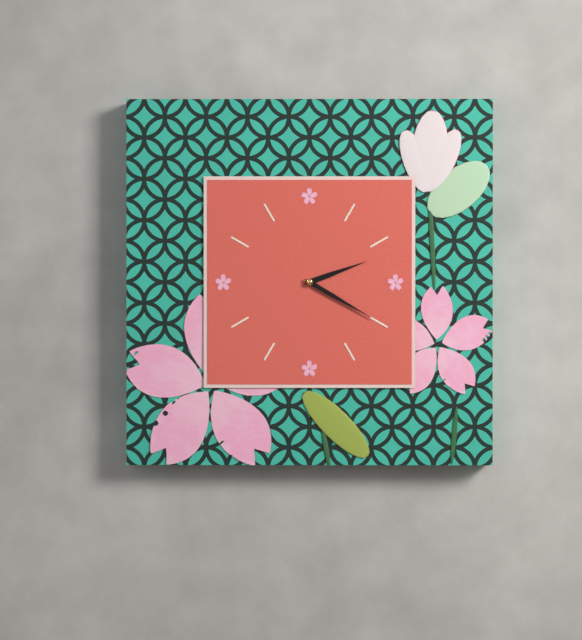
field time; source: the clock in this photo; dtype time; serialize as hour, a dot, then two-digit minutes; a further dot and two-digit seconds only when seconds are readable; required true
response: 2.20
